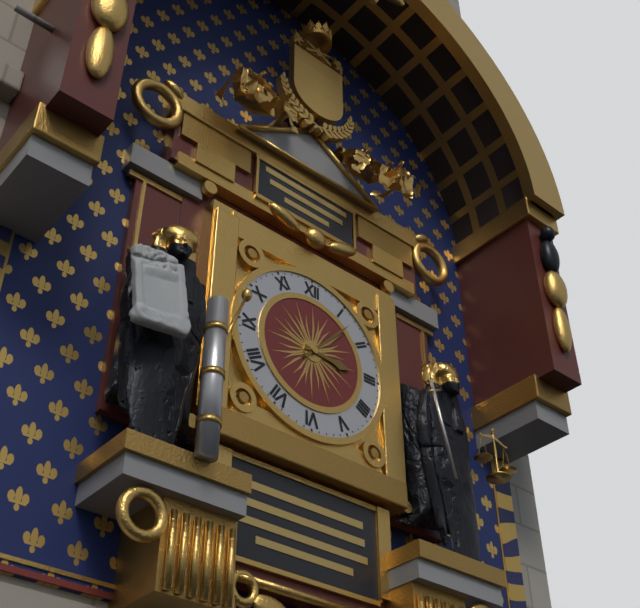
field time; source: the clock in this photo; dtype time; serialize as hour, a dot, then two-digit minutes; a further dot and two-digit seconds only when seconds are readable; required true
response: 3.07
